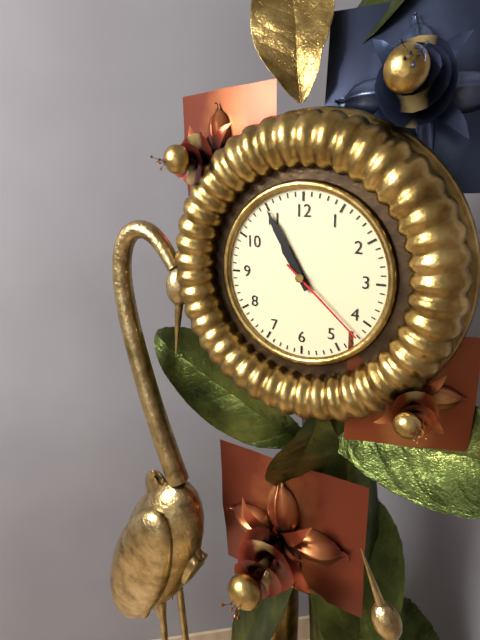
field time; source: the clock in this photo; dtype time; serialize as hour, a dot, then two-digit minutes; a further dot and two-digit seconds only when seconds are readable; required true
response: 10.55.22
